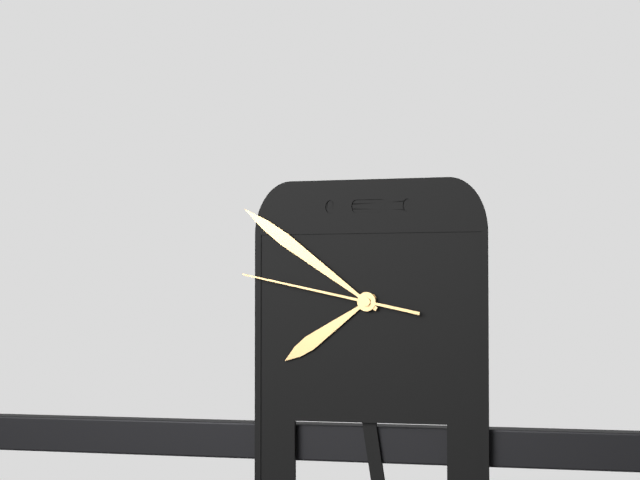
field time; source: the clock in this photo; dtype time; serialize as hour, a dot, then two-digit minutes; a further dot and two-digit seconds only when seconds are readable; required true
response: 7.51.47
